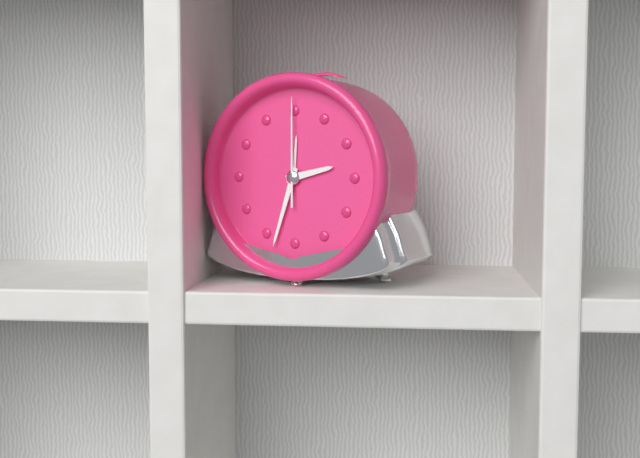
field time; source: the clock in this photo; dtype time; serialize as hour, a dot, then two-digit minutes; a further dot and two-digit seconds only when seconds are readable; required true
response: 2.33.00
